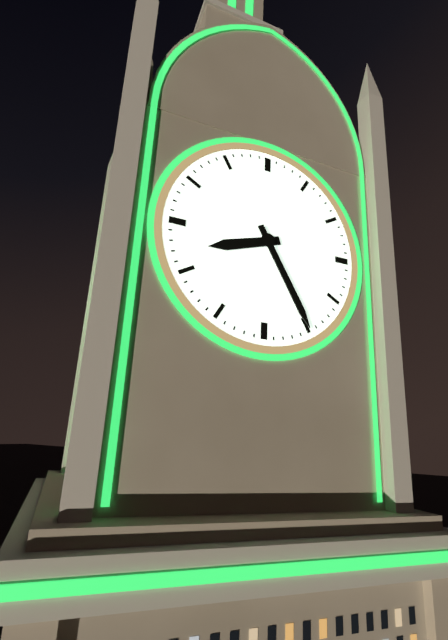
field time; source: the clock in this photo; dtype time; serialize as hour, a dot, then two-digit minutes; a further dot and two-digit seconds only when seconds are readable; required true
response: 8.25
